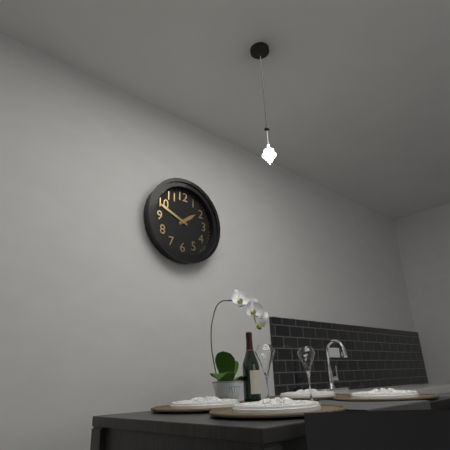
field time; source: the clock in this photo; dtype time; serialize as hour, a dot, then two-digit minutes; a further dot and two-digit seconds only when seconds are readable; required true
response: 1.49
